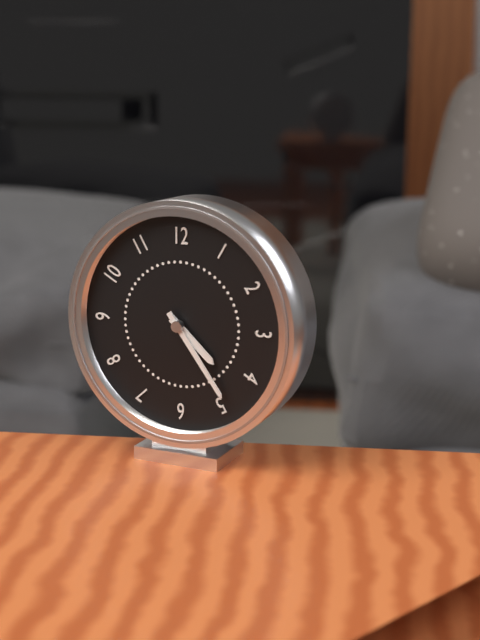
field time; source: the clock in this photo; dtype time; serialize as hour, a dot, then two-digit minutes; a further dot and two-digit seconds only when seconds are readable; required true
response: 4.24
